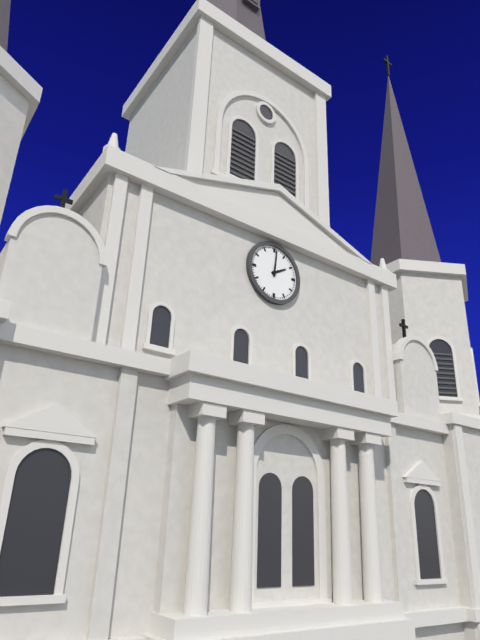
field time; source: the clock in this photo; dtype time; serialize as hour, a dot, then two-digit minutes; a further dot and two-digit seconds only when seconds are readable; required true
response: 2.01
